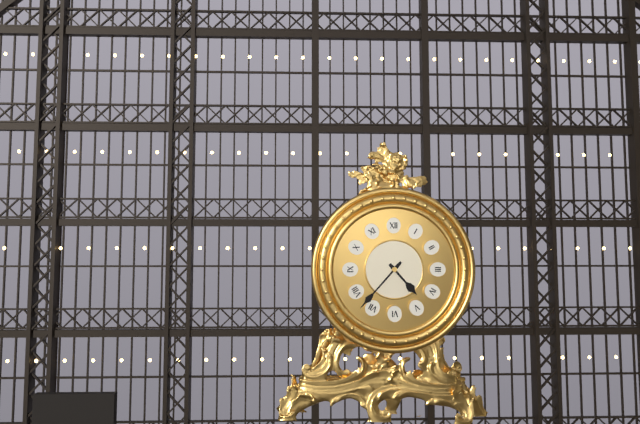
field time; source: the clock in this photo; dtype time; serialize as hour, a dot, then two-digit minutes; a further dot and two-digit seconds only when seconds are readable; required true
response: 4.37
